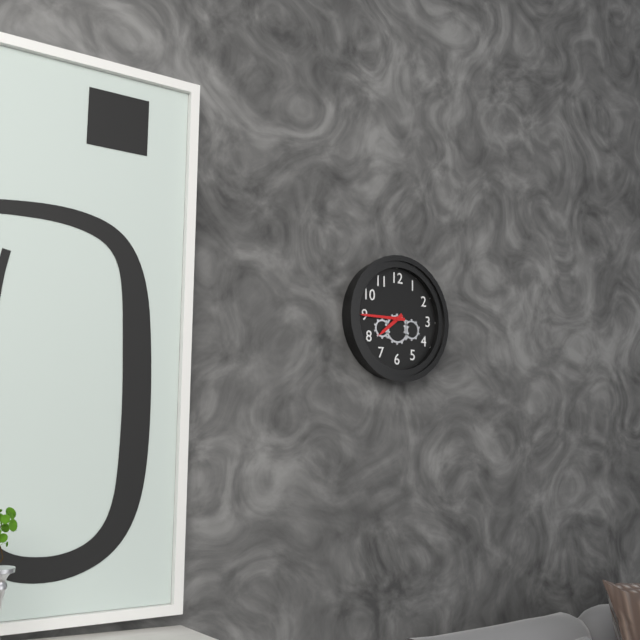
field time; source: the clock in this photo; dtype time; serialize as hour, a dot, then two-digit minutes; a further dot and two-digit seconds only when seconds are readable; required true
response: 7.45
